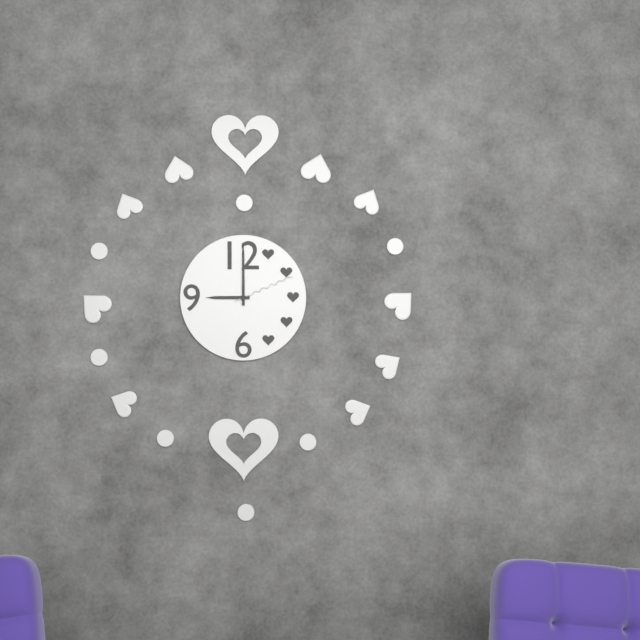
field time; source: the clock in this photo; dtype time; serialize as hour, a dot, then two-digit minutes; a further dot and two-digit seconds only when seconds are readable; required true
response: 9.00.11
